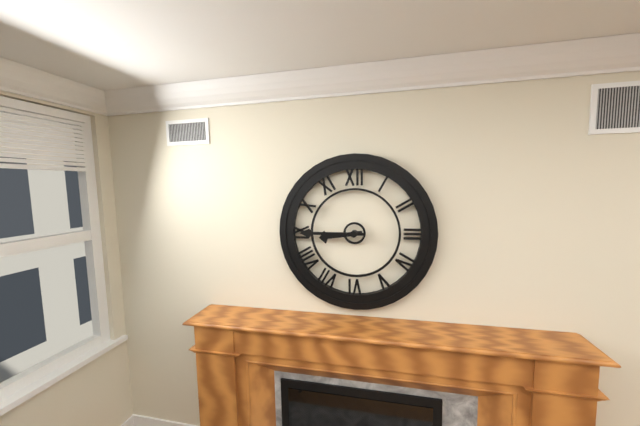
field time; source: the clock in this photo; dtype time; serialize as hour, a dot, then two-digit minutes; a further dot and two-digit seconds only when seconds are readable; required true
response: 8.45
